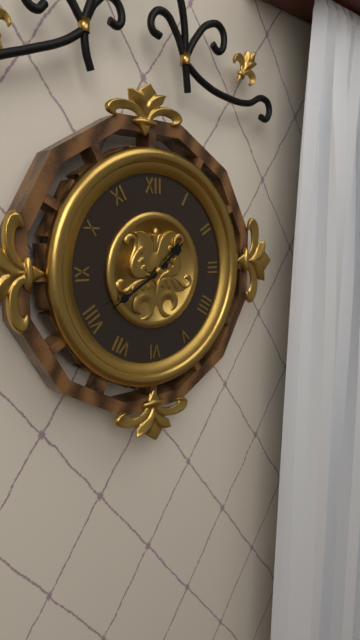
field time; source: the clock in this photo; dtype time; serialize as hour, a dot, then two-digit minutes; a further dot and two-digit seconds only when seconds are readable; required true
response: 1.40
